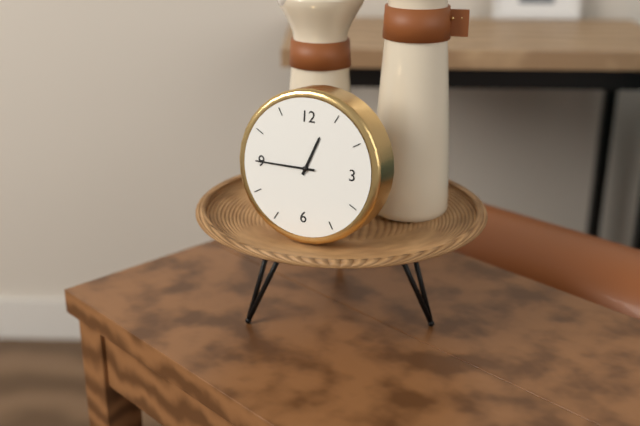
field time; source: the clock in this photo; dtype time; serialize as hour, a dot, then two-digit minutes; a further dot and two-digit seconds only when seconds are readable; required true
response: 12.45
